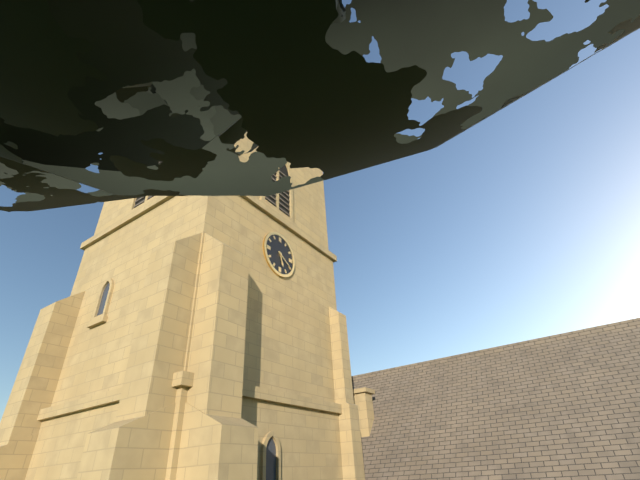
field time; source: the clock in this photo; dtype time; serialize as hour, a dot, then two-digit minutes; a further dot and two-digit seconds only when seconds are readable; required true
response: 5.20
